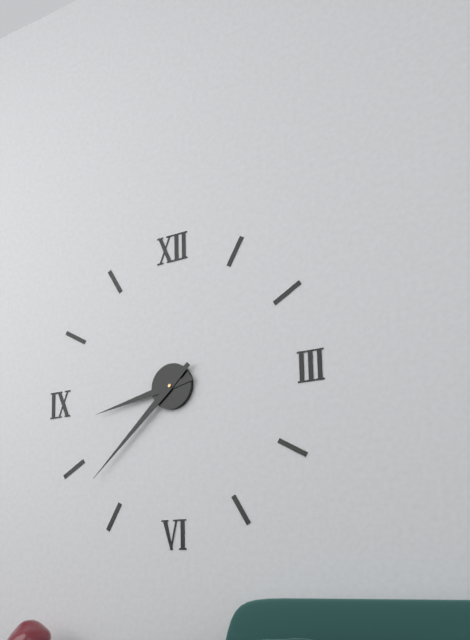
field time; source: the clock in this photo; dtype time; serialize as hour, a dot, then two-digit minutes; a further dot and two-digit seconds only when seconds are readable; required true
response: 8.38
